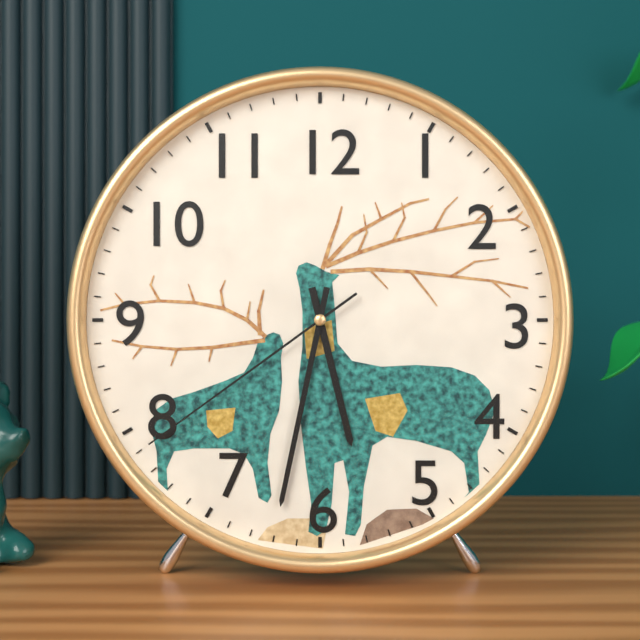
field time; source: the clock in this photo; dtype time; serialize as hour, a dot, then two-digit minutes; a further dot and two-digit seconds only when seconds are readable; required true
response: 5.32.39
